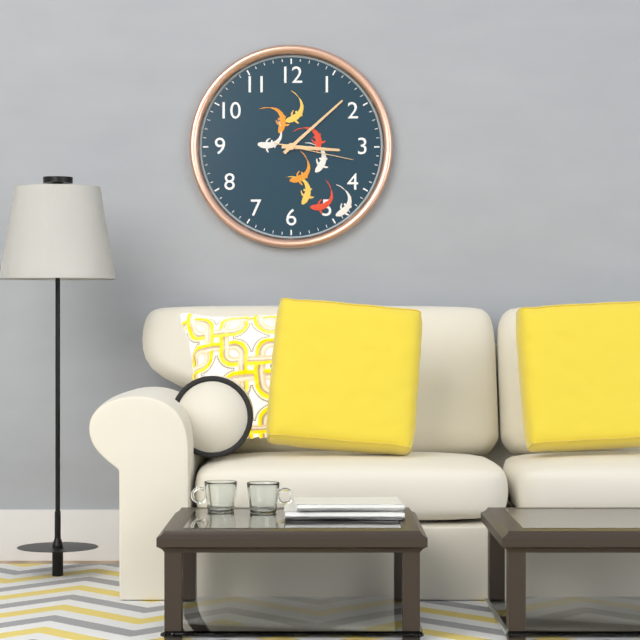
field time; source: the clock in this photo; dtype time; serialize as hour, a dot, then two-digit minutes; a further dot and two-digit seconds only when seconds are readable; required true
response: 3.08.17
